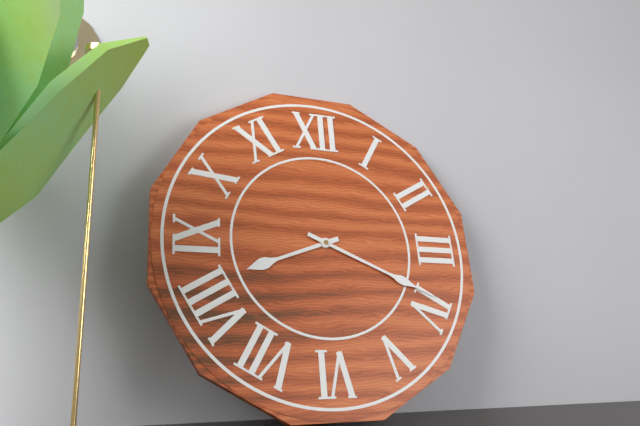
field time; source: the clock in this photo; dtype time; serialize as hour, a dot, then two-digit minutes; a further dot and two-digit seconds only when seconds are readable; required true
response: 8.19
